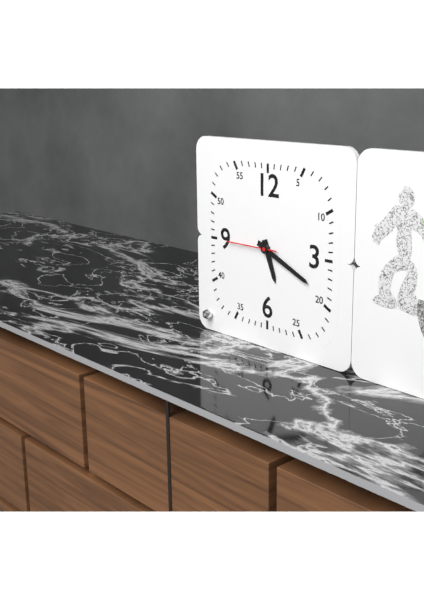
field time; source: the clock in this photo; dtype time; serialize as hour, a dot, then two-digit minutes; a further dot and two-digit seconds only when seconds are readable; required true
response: 5.19.45
